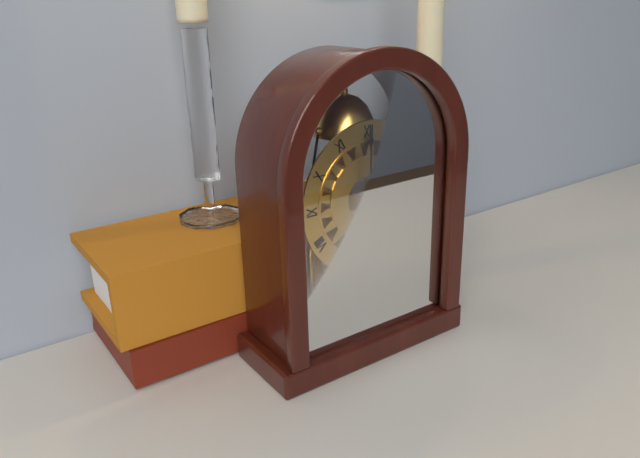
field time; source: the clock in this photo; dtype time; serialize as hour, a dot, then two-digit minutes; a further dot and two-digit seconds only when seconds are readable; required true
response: 2.00
